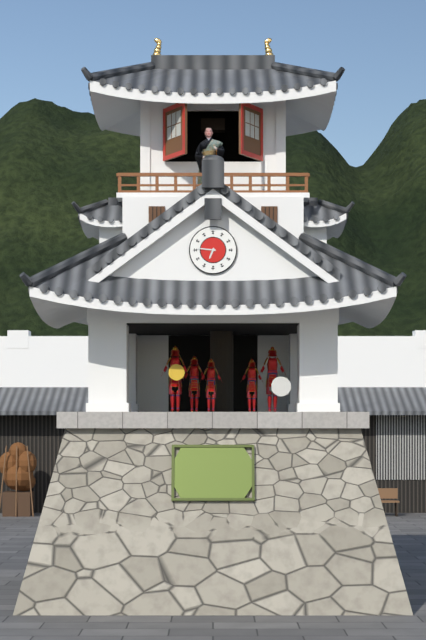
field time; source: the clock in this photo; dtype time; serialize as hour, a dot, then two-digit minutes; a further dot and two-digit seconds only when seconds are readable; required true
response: 6.46
